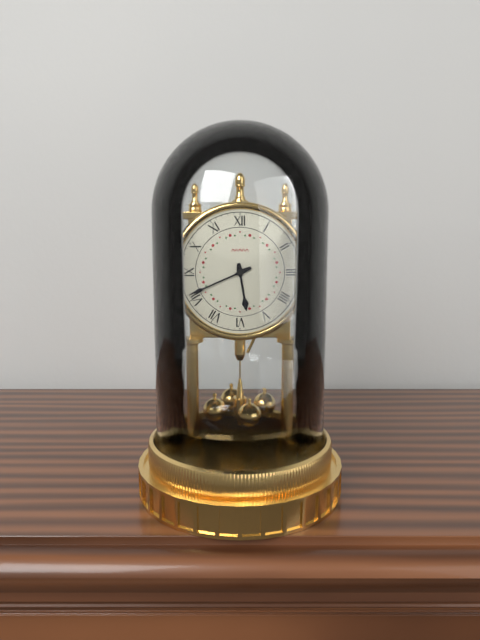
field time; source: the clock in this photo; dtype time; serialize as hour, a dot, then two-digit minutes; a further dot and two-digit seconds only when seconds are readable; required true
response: 5.41
